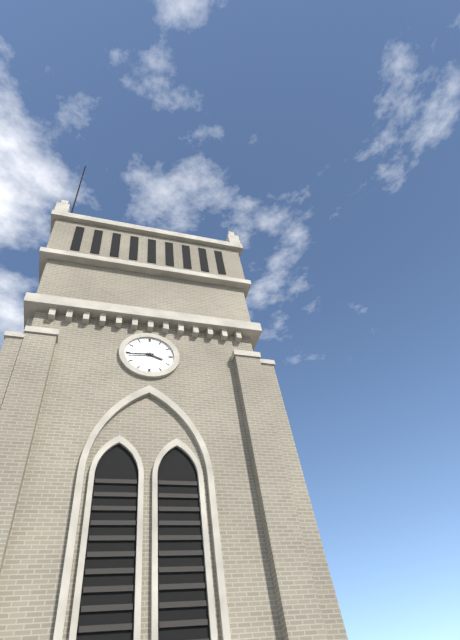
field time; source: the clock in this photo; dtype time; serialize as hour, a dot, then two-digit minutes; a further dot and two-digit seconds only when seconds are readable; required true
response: 3.44
